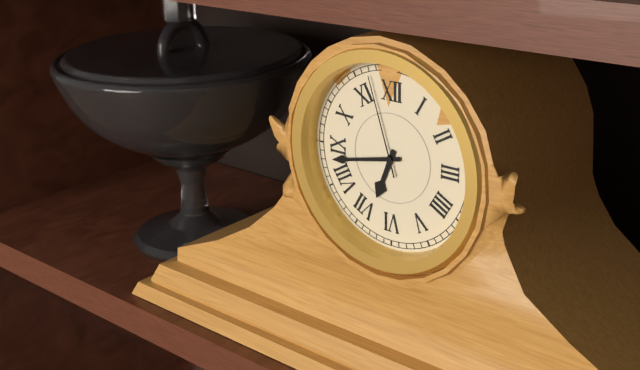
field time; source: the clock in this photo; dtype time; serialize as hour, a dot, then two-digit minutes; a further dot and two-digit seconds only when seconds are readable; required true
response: 6.43.57
